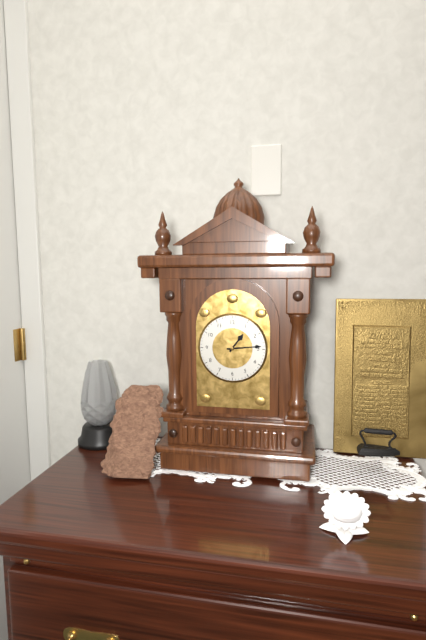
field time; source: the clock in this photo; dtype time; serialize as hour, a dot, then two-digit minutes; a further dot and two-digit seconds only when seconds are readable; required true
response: 1.14
